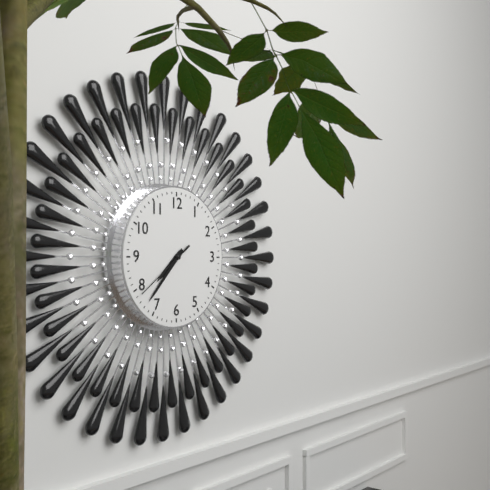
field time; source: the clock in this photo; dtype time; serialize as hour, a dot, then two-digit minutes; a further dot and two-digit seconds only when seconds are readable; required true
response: 7.37.39
